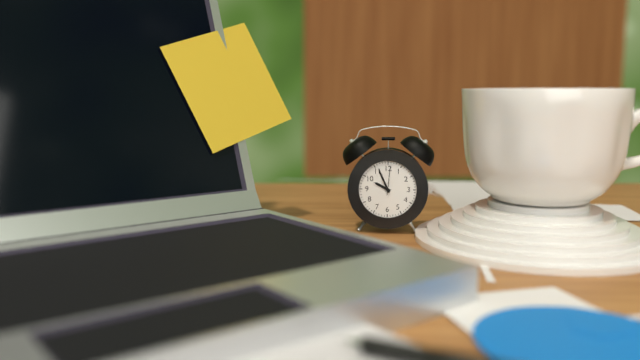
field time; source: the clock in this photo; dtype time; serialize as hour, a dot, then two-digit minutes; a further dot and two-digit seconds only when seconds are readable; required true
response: 9.56
